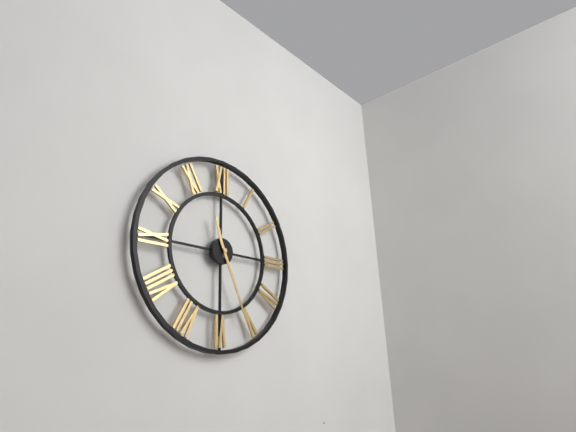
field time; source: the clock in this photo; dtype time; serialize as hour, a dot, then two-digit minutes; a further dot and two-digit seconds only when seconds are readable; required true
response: 11.26
